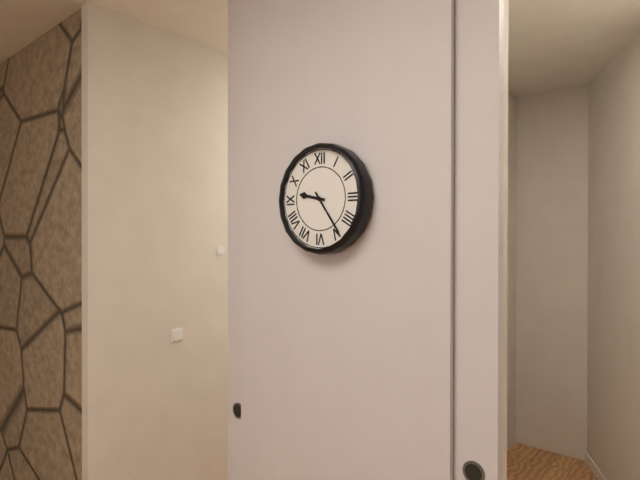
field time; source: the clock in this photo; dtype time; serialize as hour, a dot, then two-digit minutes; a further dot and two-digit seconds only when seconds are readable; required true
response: 9.24
